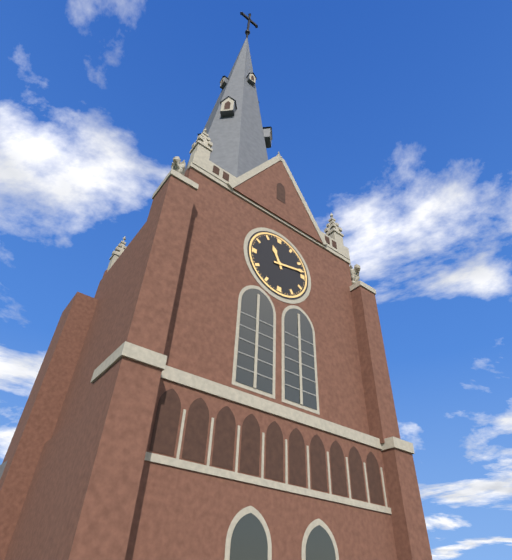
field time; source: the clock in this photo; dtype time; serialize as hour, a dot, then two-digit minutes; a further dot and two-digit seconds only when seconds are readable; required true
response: 11.13
